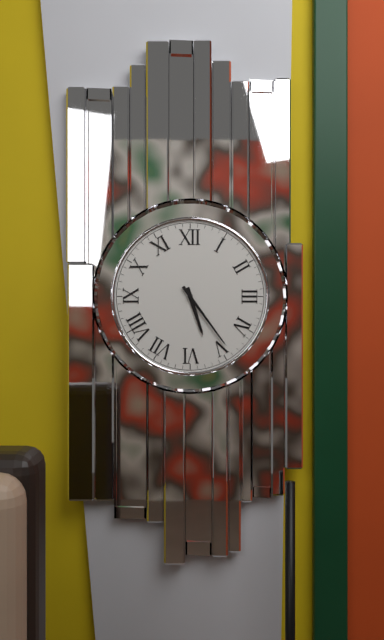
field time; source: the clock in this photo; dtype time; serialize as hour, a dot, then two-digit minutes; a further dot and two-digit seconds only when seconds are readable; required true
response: 5.24
